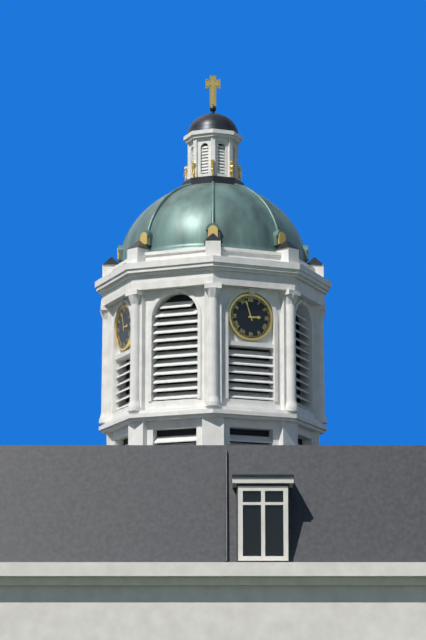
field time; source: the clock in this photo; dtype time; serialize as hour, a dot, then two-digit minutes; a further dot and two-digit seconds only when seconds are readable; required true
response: 2.57
